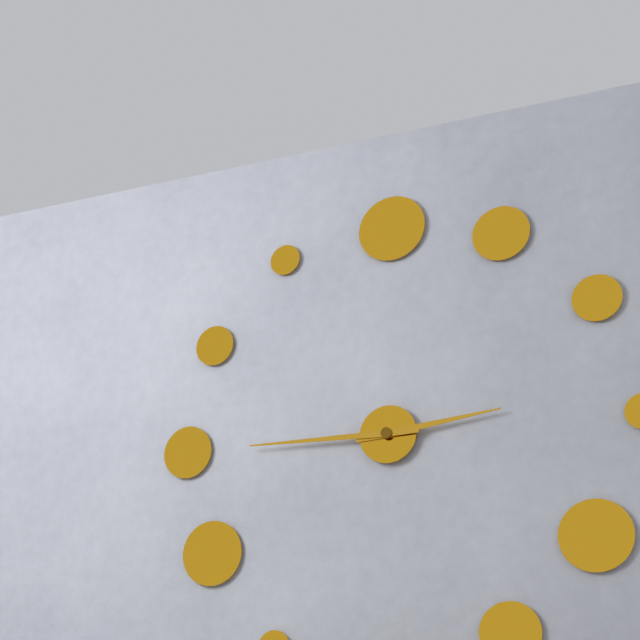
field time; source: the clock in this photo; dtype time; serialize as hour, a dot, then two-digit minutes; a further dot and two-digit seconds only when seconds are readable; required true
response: 2.45
